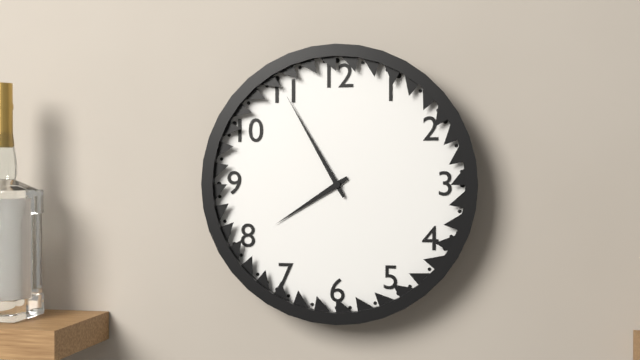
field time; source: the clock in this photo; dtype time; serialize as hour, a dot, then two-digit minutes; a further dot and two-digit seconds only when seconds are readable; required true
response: 7.55
